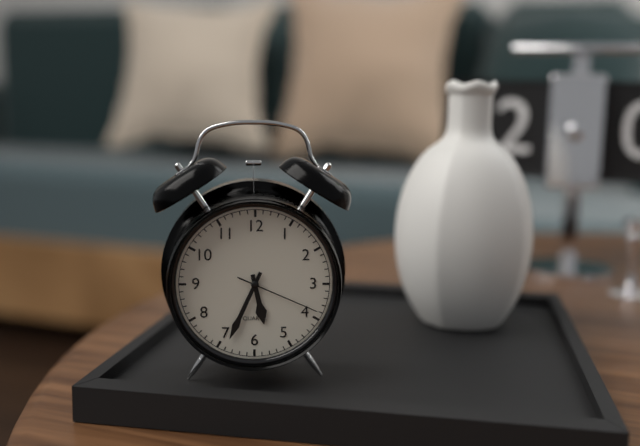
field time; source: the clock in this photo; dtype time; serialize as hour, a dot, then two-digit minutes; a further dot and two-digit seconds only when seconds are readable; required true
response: 5.34.19
